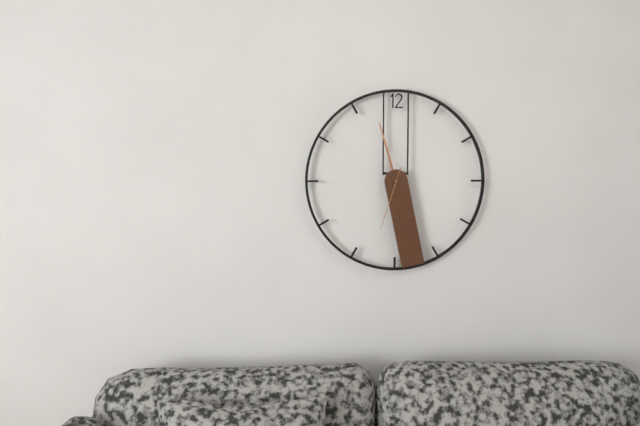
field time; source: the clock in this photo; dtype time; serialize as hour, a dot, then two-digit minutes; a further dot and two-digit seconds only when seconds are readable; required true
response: 11.28.33
